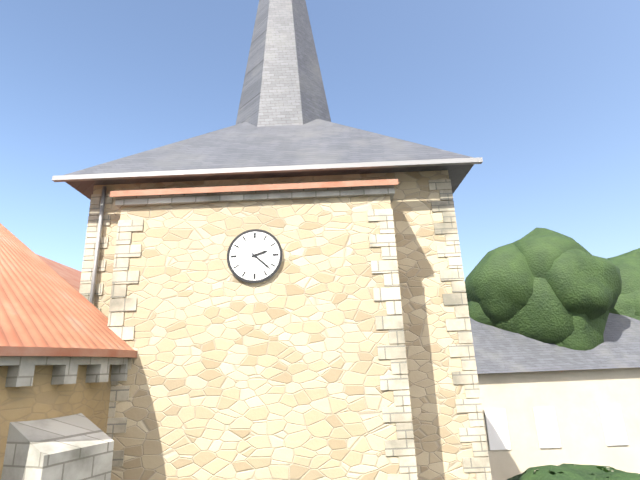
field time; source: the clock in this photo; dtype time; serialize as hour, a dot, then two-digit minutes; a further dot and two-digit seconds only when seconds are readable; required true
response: 2.22
